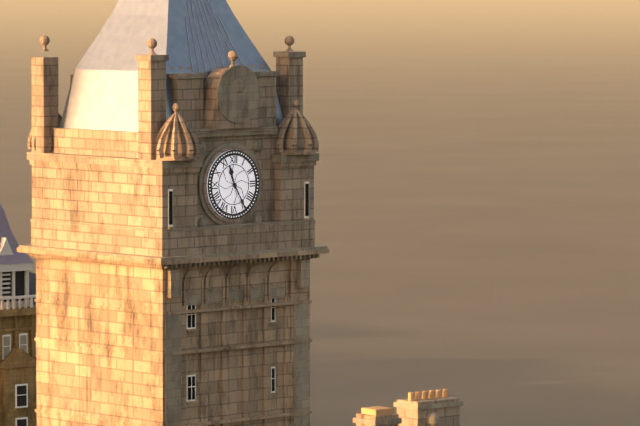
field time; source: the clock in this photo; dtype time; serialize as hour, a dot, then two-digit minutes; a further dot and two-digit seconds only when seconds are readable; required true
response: 11.25
